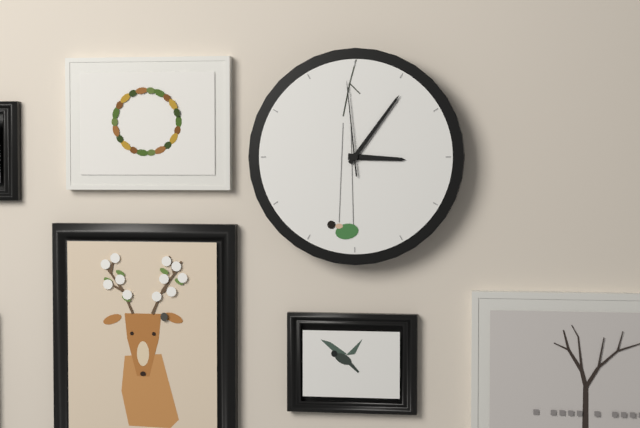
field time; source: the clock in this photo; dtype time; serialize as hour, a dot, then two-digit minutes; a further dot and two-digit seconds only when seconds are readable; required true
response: 3.06.59
